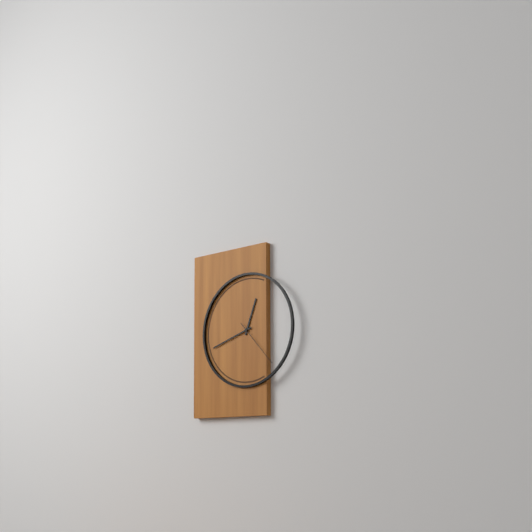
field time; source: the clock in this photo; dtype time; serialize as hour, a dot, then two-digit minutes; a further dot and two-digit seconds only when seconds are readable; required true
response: 12.42.23
